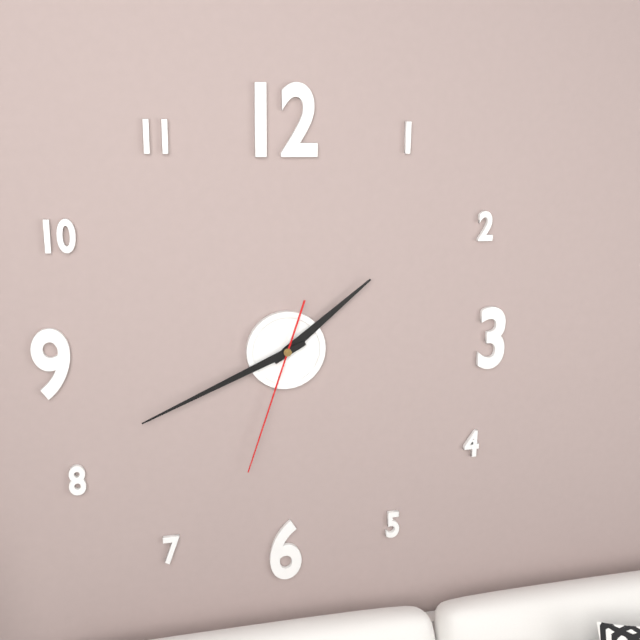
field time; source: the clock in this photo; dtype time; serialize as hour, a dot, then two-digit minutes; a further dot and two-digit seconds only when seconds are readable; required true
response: 1.41.33
